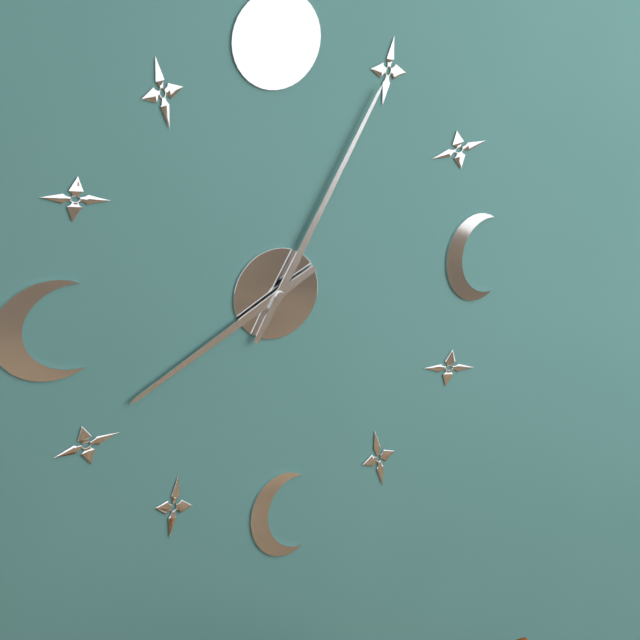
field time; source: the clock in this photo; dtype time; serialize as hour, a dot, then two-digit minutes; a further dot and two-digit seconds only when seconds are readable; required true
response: 8.05
